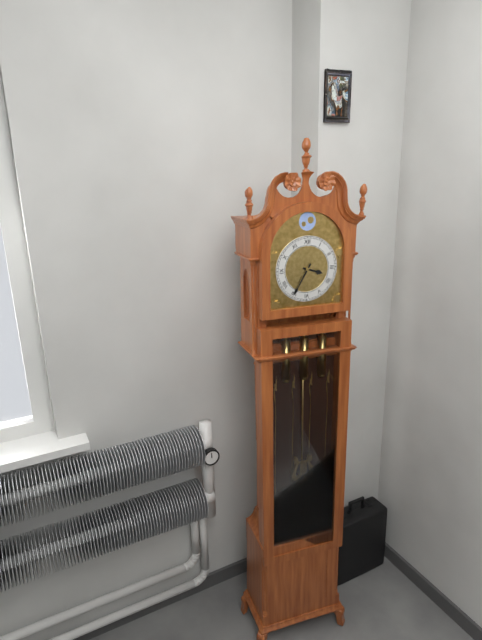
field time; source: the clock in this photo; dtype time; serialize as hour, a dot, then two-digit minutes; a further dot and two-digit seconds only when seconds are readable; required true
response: 3.35
